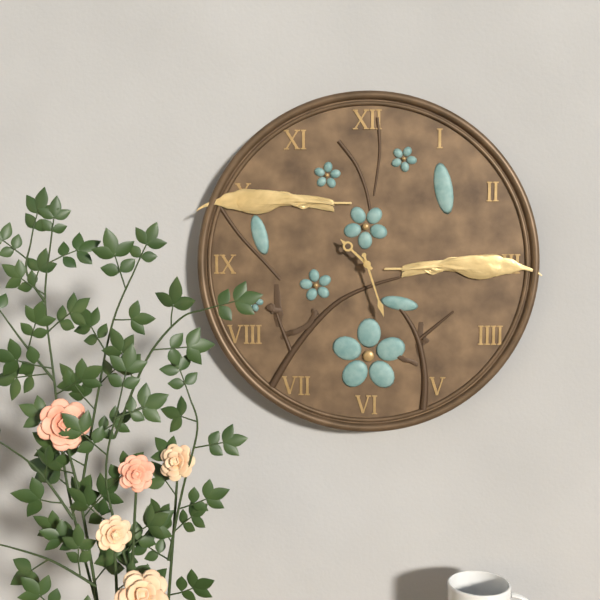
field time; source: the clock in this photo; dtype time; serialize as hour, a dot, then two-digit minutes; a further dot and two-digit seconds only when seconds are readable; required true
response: 10.27
